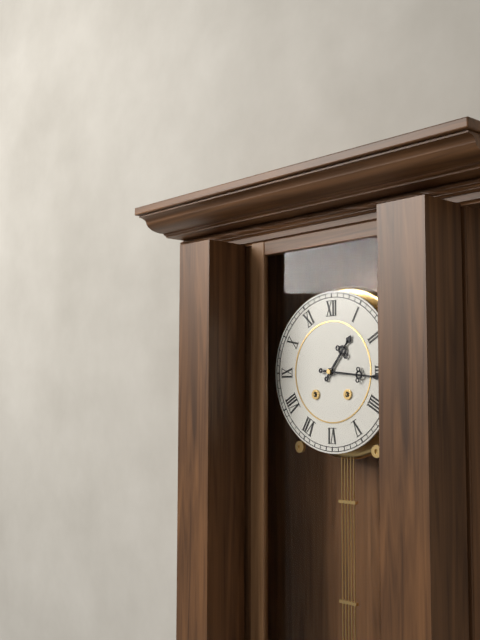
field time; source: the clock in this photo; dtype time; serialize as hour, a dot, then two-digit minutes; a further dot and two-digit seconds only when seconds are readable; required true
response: 1.16
